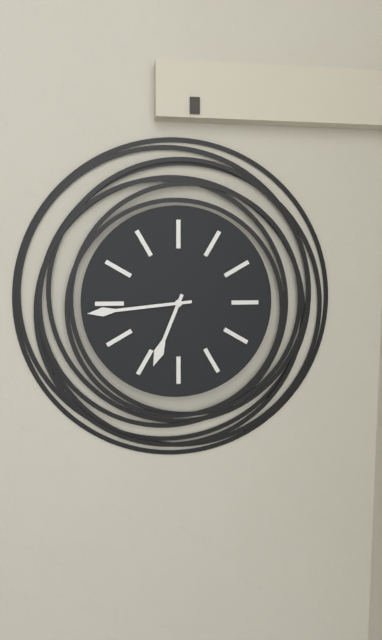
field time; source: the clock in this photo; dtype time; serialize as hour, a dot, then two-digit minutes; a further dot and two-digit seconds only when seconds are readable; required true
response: 6.44
